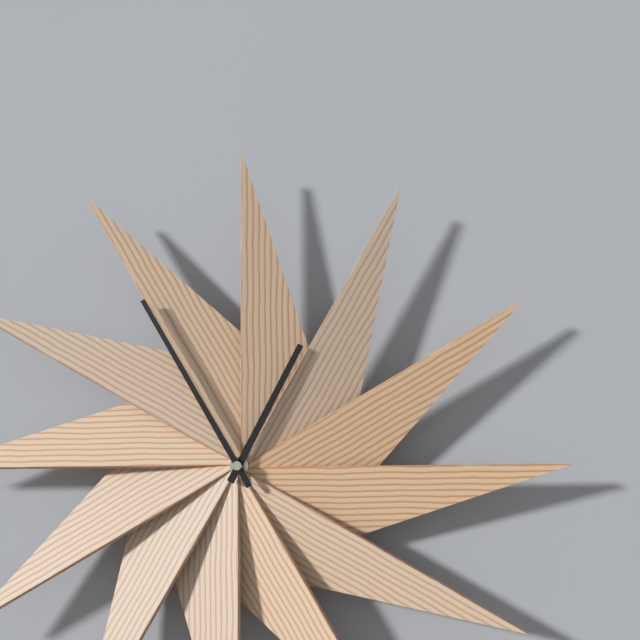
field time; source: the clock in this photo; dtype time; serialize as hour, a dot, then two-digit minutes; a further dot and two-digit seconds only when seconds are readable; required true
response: 12.55
